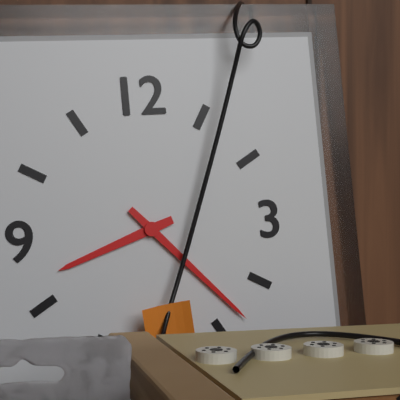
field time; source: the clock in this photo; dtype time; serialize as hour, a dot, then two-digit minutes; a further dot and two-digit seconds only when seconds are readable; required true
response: 8.23
